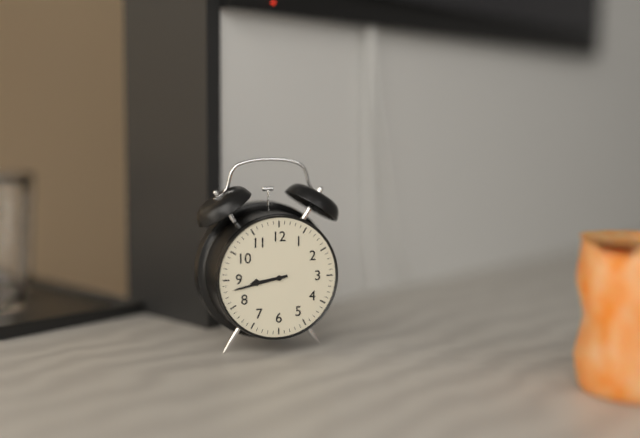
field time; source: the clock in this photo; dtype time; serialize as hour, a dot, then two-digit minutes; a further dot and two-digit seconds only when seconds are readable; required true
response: 8.43
